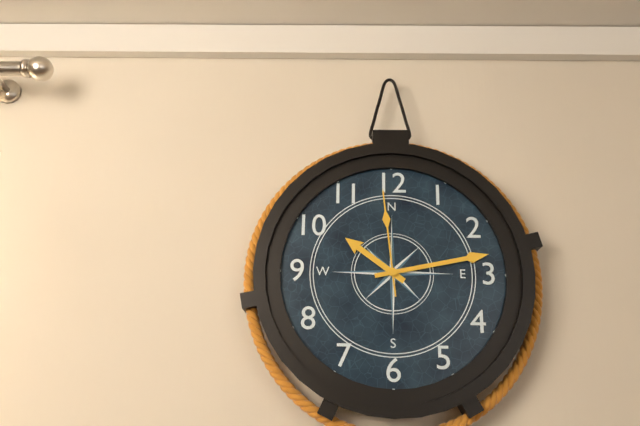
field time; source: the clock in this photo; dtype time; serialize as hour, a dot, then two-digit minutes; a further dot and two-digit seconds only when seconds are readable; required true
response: 10.13.59
